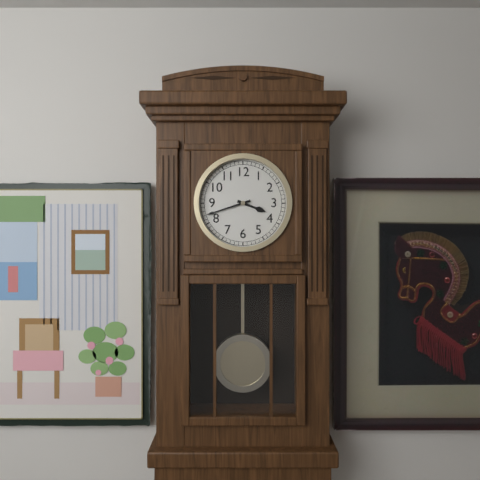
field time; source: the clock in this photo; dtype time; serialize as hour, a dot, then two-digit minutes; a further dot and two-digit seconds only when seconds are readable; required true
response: 3.42
